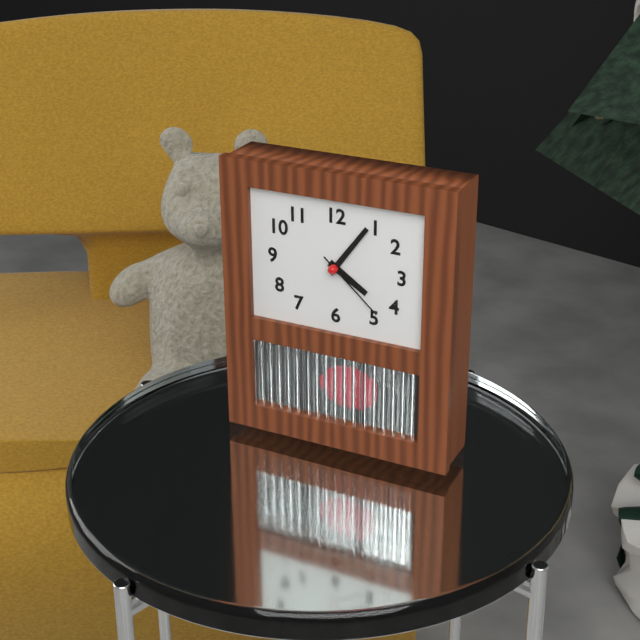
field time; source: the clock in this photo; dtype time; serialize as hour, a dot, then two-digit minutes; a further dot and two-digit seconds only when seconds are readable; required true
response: 4.06.22
